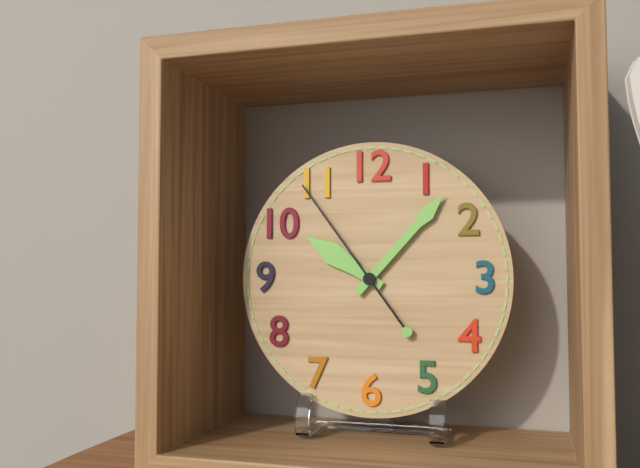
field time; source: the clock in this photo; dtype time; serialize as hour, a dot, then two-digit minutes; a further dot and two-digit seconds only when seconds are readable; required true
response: 10.07.54
